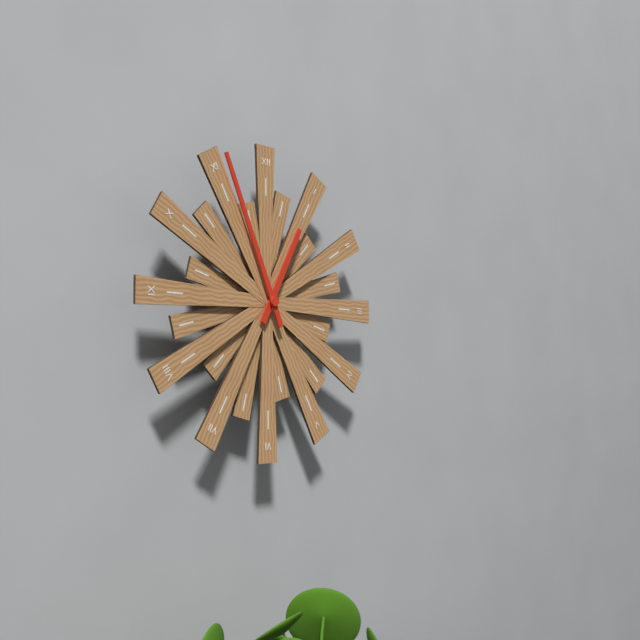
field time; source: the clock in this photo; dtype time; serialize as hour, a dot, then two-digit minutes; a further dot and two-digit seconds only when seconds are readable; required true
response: 12.56
